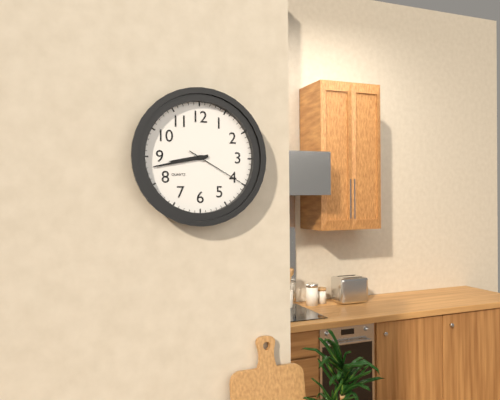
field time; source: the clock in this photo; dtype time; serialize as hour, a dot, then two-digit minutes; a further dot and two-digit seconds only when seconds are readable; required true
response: 8.43.20
